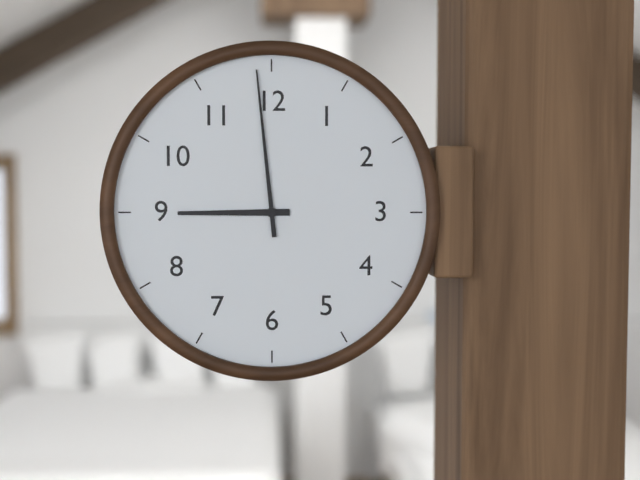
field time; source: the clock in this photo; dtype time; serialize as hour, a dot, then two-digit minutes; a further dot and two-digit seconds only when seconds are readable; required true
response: 8.59
